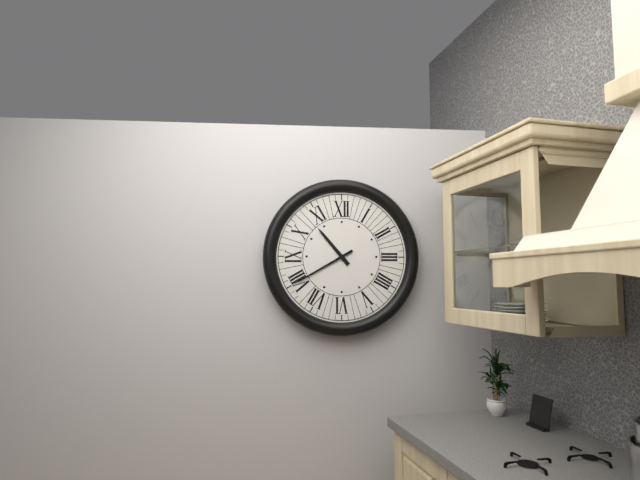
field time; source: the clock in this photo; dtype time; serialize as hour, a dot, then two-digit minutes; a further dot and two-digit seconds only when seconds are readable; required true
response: 10.40
